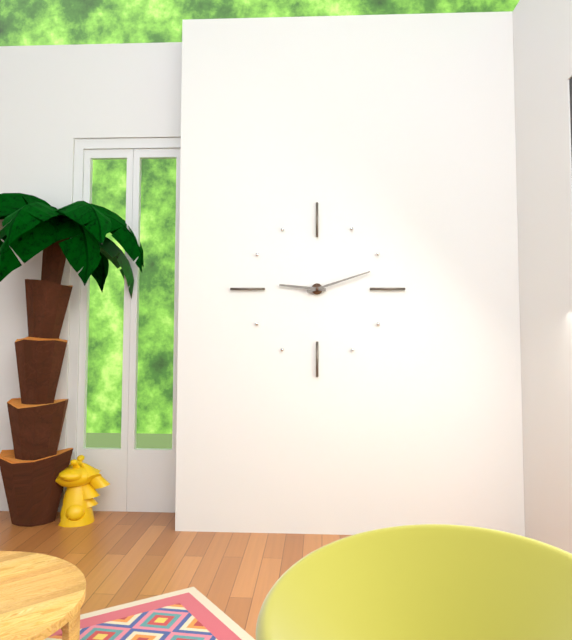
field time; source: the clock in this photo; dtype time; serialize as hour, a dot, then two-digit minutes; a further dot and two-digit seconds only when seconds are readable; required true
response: 9.12
